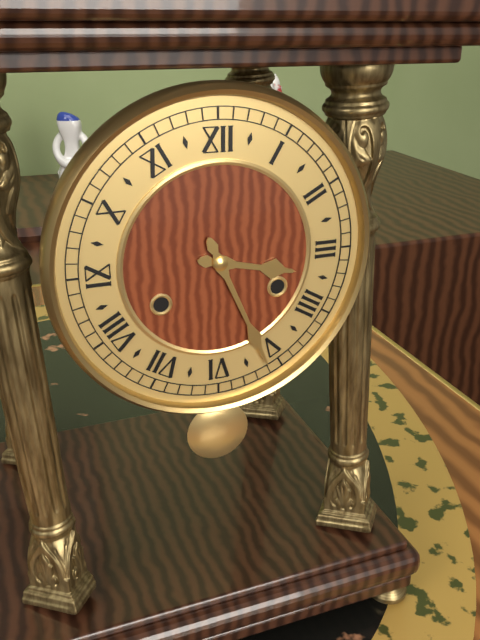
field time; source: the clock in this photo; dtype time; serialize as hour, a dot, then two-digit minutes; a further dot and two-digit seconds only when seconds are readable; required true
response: 3.26
